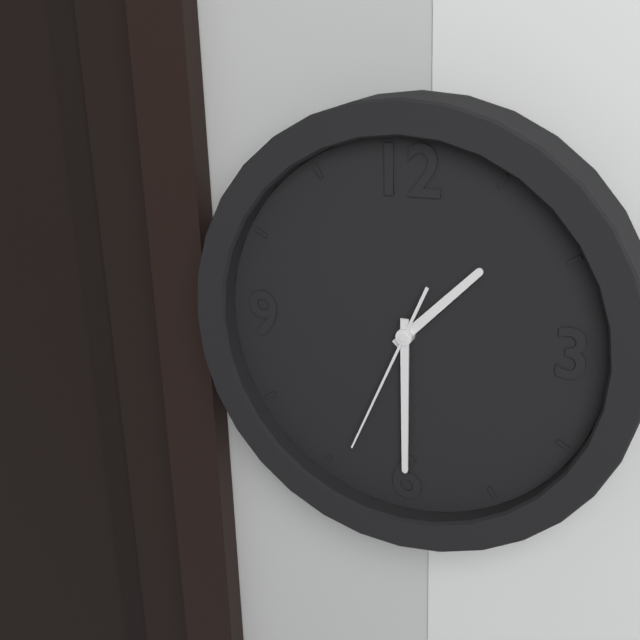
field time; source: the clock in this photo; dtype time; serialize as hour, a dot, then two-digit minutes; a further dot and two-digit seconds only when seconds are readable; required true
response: 1.30.34
